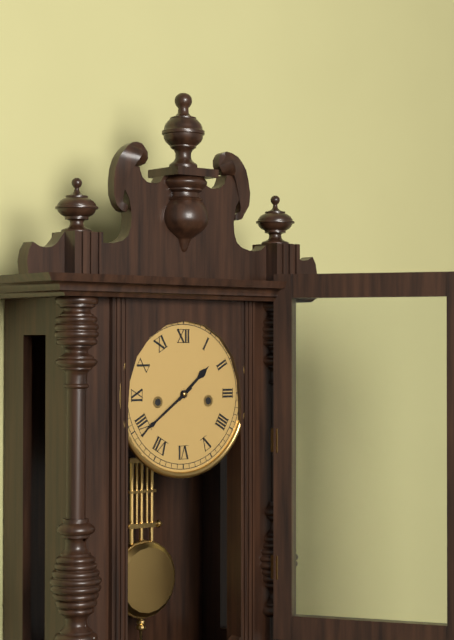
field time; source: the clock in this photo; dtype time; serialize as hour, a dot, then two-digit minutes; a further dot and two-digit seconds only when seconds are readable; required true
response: 1.39
